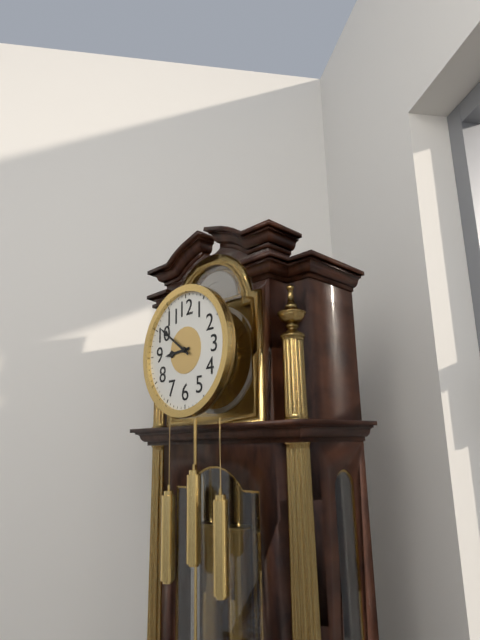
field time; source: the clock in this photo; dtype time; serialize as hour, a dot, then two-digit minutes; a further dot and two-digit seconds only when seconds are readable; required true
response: 8.51
